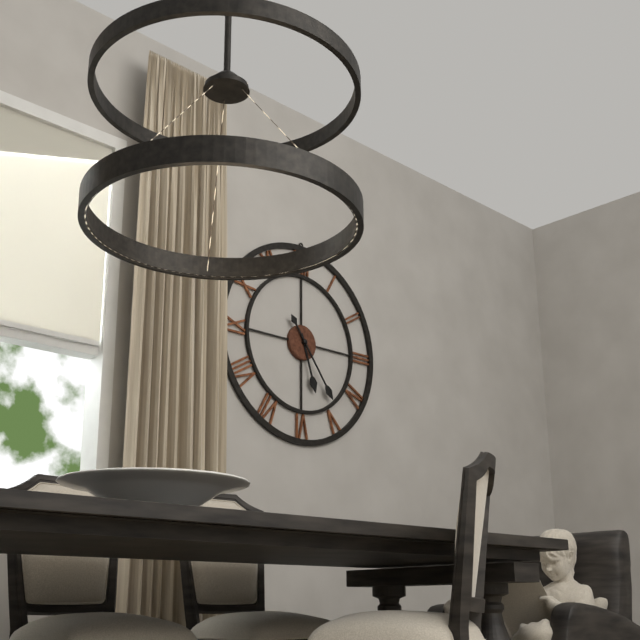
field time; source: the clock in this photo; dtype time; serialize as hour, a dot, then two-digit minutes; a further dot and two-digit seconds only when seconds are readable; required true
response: 5.24
